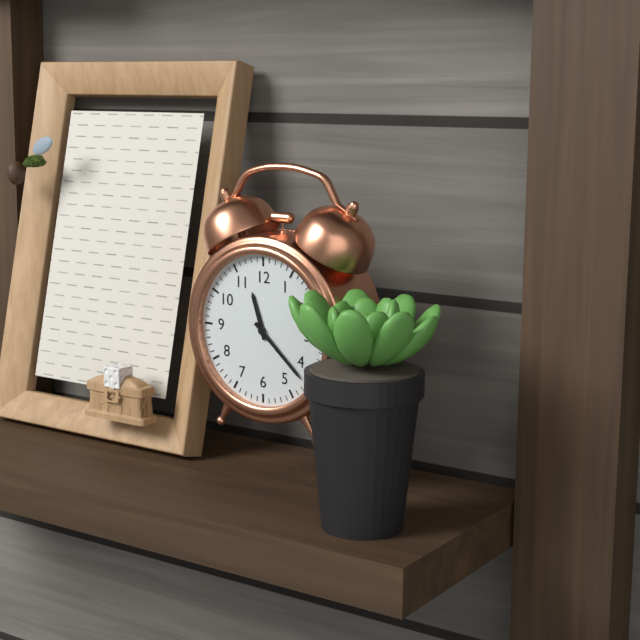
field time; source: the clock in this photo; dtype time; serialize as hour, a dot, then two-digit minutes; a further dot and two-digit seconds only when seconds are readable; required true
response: 11.22
